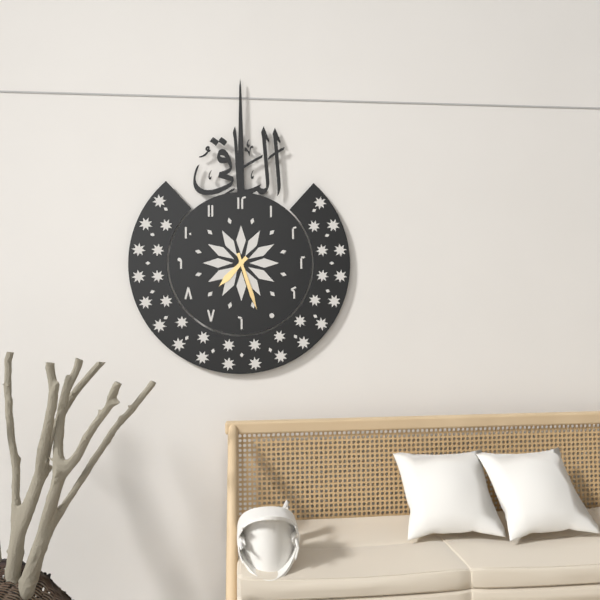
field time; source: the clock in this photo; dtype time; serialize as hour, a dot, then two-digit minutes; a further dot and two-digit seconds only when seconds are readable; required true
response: 7.27
